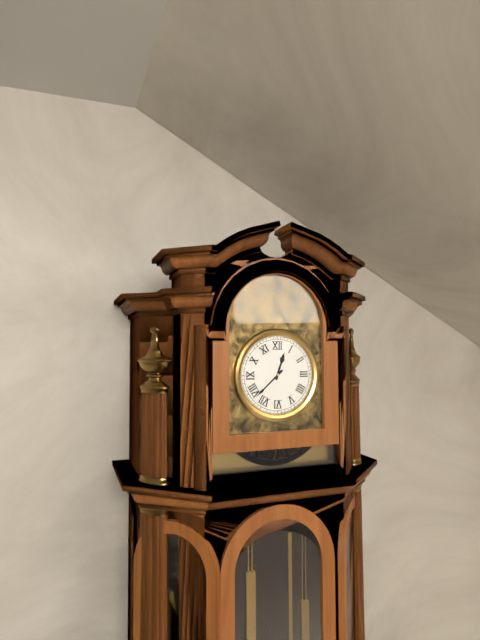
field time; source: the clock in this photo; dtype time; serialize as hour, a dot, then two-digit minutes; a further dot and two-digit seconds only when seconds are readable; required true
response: 12.38
